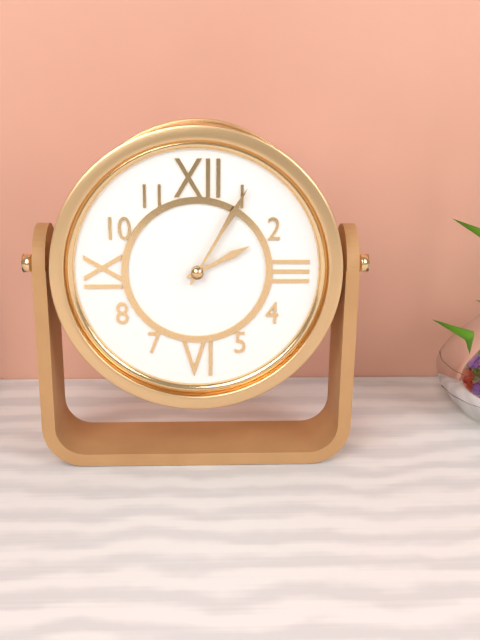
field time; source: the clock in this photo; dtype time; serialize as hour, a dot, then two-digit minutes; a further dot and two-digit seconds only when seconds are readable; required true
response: 2.05
